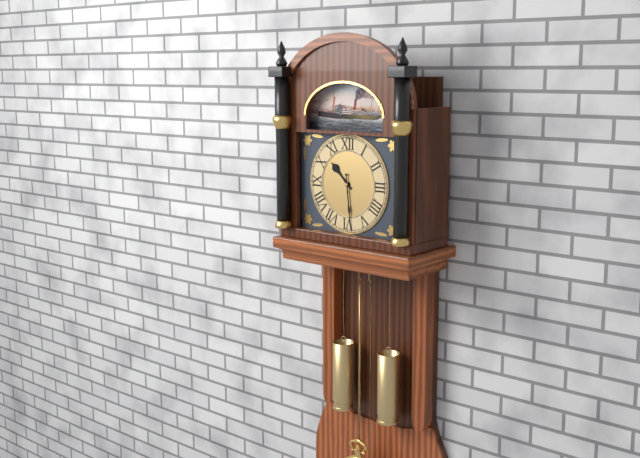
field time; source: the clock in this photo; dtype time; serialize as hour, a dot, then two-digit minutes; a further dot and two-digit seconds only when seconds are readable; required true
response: 10.29
